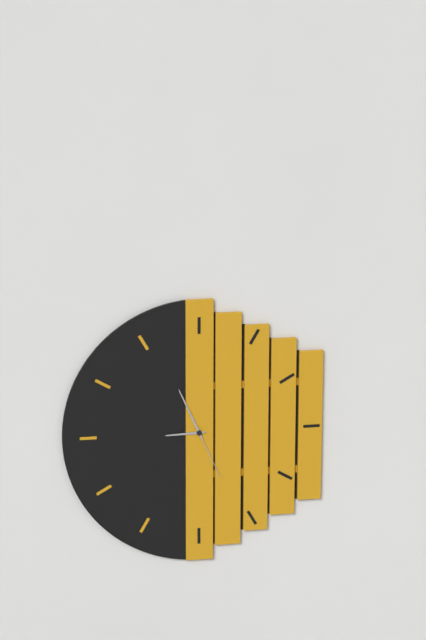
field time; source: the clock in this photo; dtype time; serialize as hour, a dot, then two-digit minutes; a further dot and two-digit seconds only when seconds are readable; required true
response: 8.56.26
